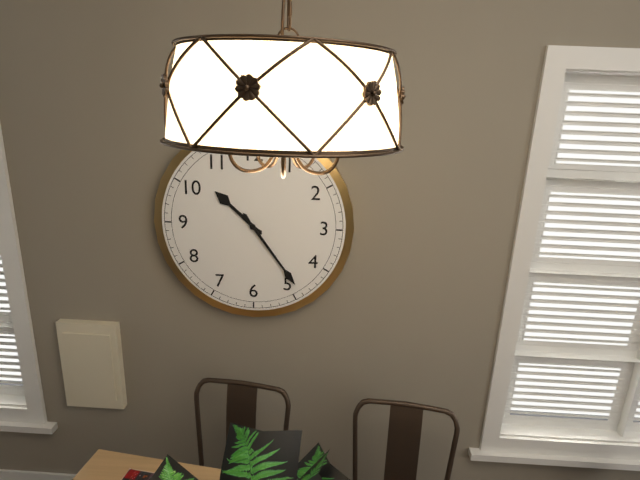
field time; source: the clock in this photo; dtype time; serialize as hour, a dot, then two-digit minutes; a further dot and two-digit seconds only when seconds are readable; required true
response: 10.24
